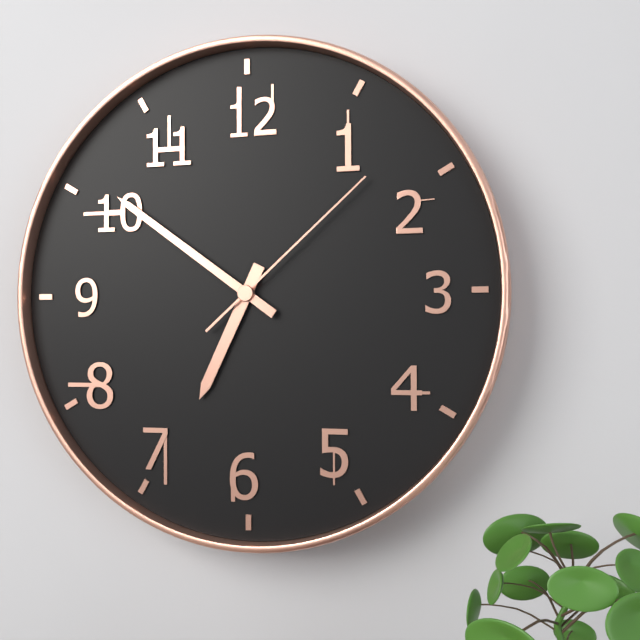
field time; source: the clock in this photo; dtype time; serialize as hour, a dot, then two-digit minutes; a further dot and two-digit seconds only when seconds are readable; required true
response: 6.51.08
